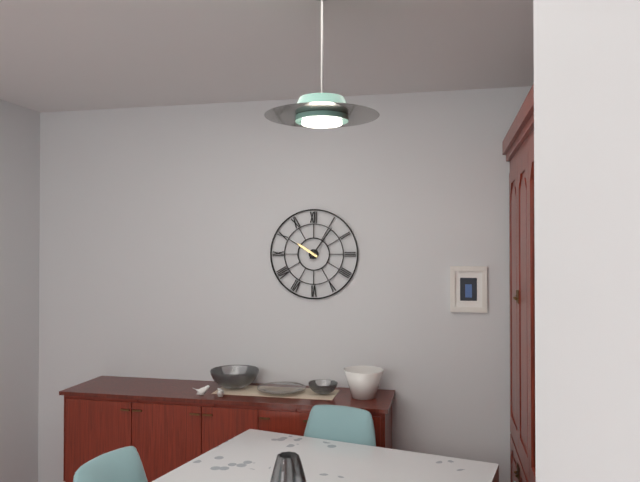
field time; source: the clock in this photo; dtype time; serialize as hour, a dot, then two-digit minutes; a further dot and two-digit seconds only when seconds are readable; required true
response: 10.06
